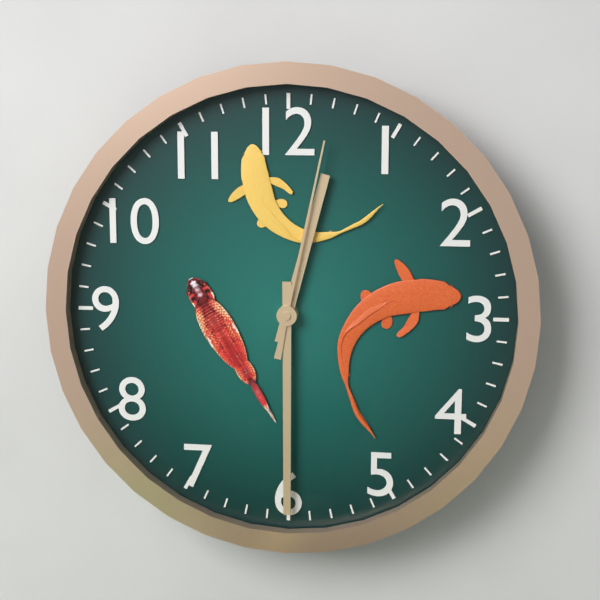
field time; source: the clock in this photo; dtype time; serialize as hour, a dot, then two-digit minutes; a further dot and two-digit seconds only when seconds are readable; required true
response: 12.30.02
